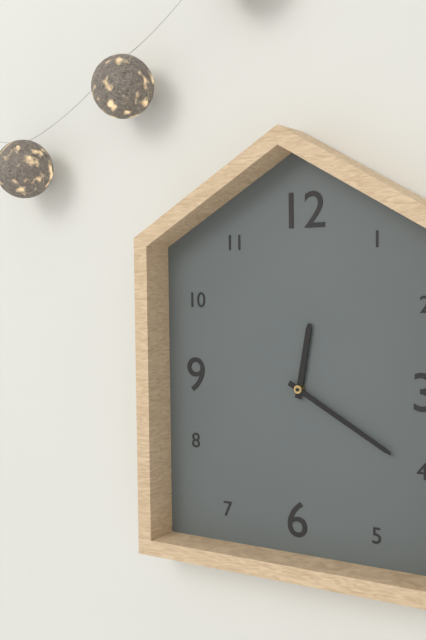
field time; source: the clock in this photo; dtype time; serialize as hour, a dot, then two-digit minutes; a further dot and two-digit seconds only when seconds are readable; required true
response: 12.20
